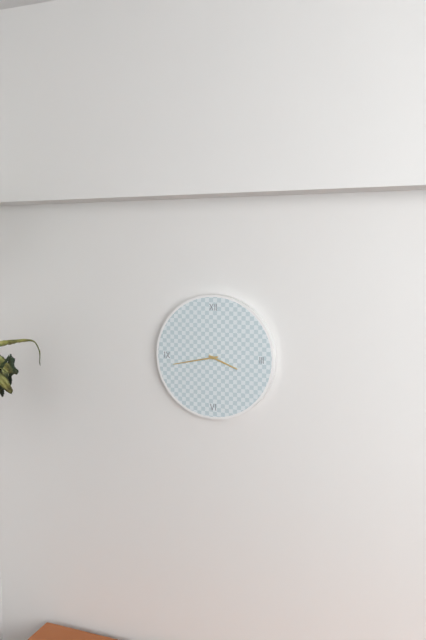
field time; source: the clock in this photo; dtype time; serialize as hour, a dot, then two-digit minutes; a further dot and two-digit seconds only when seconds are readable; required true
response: 3.43
